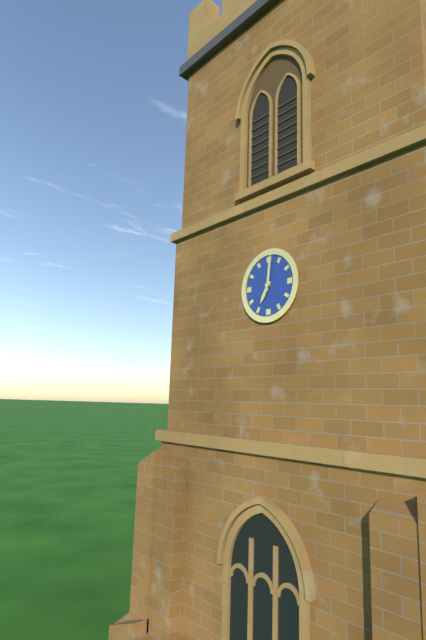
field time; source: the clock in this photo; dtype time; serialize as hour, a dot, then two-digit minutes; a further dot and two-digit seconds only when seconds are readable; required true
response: 7.01
